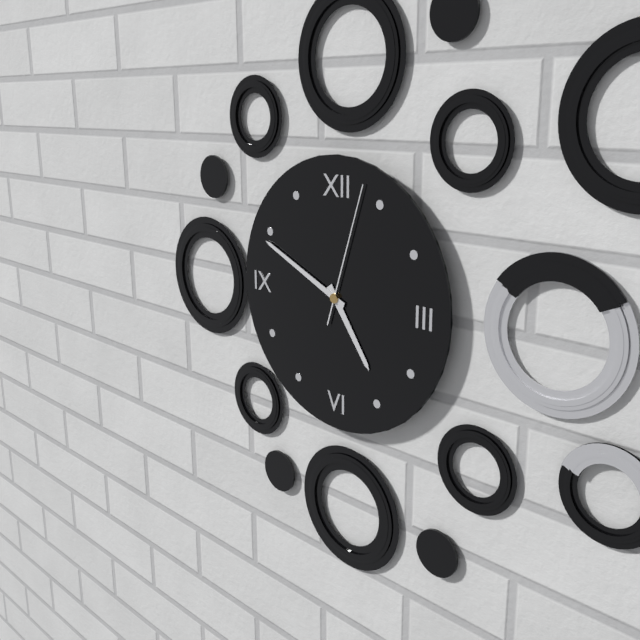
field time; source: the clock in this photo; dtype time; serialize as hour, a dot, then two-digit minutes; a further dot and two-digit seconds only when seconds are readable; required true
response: 4.49.03
